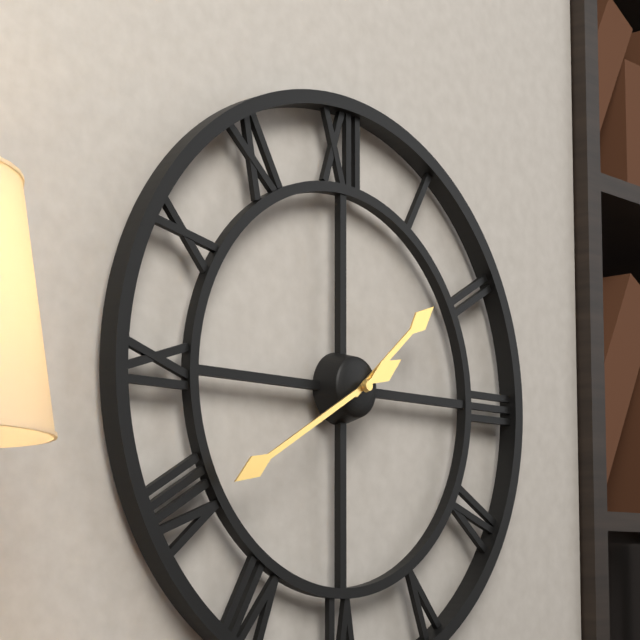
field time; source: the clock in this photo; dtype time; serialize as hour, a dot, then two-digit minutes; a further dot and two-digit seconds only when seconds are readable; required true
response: 1.40
